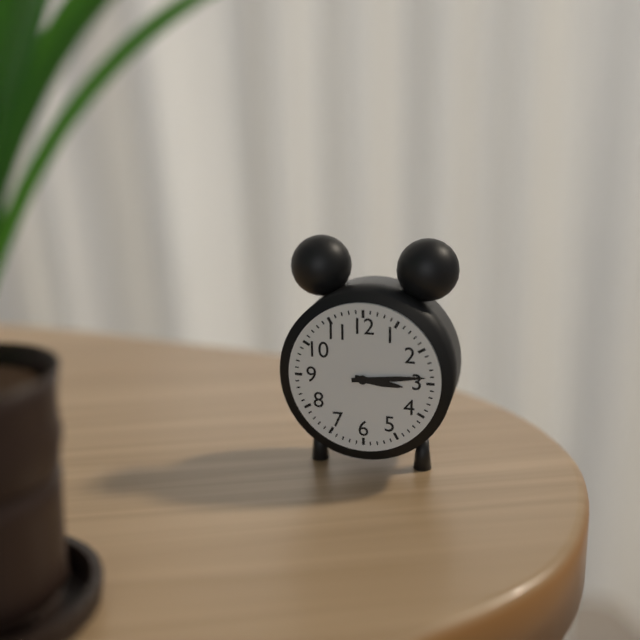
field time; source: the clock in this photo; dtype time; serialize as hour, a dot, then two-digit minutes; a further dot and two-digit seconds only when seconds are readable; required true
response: 3.14
